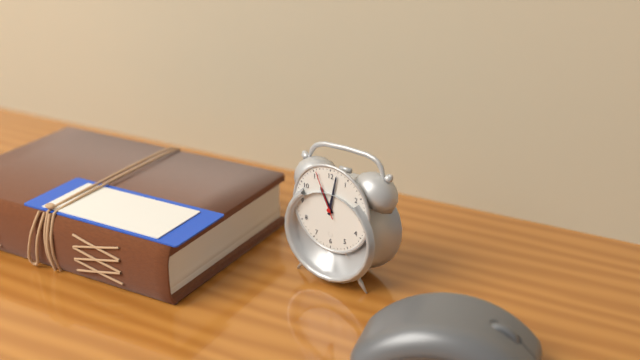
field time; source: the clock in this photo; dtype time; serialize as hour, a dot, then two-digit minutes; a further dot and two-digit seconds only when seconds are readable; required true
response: 11.02.56
